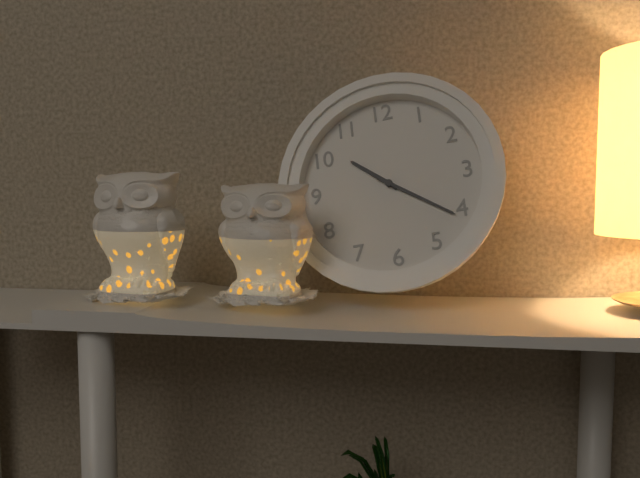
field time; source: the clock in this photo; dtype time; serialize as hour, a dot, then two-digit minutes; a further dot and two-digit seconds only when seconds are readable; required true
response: 10.21
